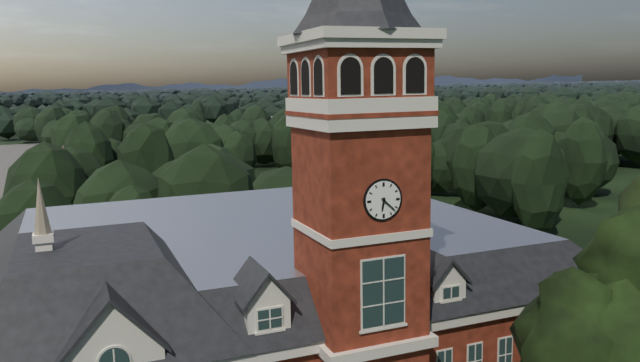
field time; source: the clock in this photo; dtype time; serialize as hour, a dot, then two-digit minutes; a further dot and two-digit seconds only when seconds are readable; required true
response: 6.22
